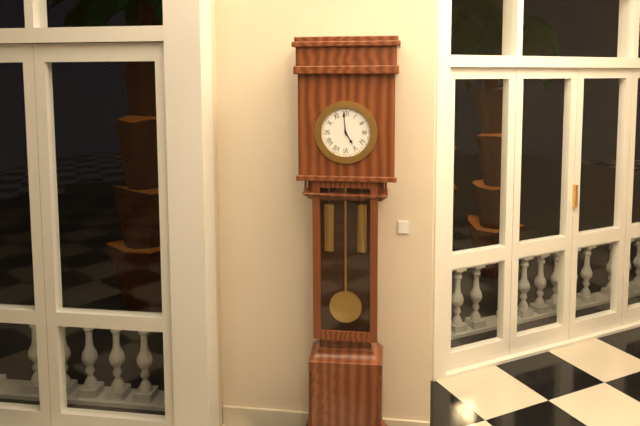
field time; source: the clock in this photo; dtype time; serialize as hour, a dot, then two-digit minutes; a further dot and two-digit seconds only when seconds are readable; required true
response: 4.59
